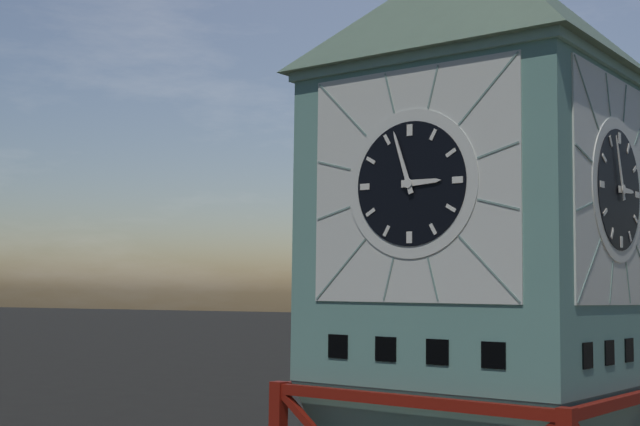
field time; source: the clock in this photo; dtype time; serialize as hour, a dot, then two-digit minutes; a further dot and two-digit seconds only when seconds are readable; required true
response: 2.57
